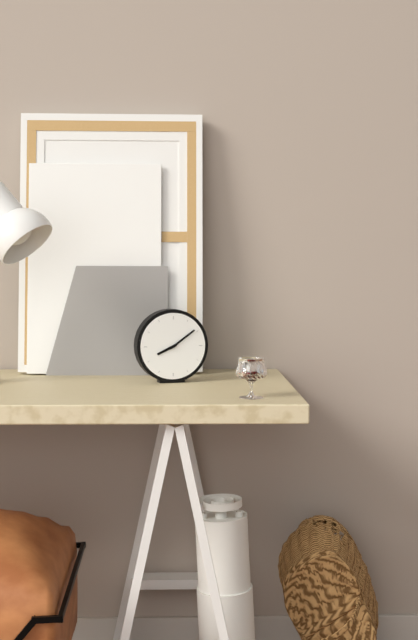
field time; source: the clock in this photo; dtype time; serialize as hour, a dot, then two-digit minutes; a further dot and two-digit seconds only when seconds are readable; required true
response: 8.09
